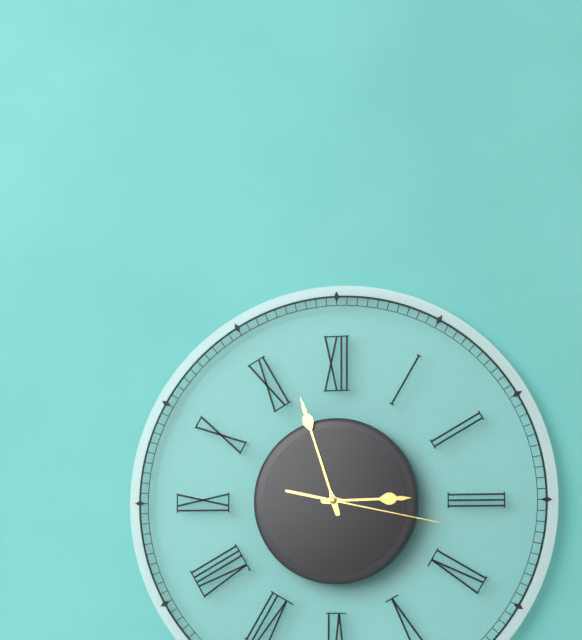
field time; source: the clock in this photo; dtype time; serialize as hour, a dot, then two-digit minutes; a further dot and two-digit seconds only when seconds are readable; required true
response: 2.57.17
